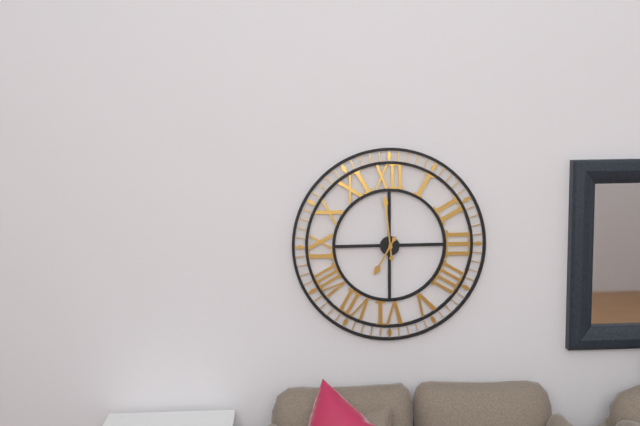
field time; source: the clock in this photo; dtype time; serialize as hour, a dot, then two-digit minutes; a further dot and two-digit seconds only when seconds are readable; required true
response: 6.59
